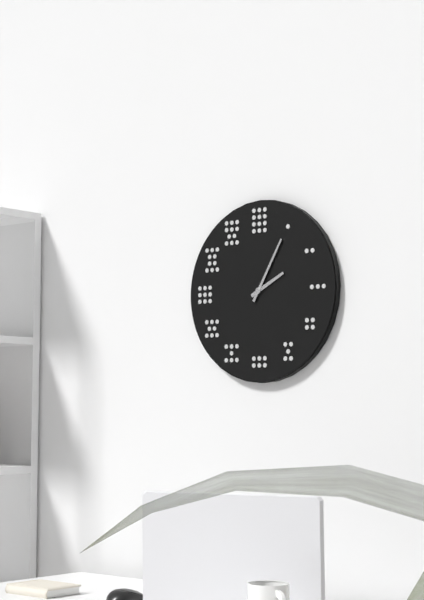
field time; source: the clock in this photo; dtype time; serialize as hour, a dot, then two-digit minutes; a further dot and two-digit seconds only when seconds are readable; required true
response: 2.05
